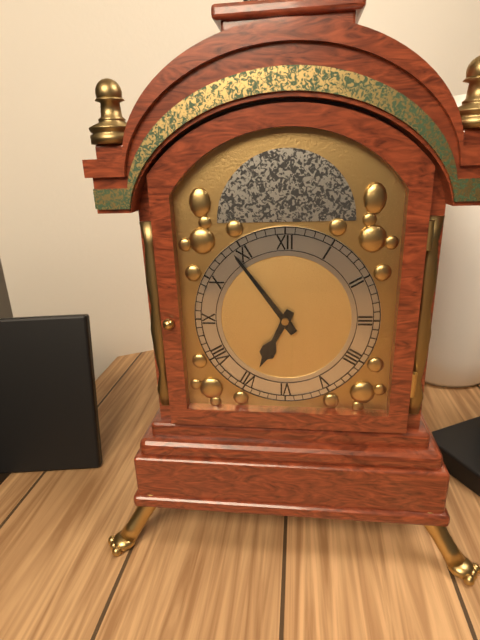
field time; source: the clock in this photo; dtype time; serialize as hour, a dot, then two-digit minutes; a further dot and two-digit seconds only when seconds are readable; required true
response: 6.54
